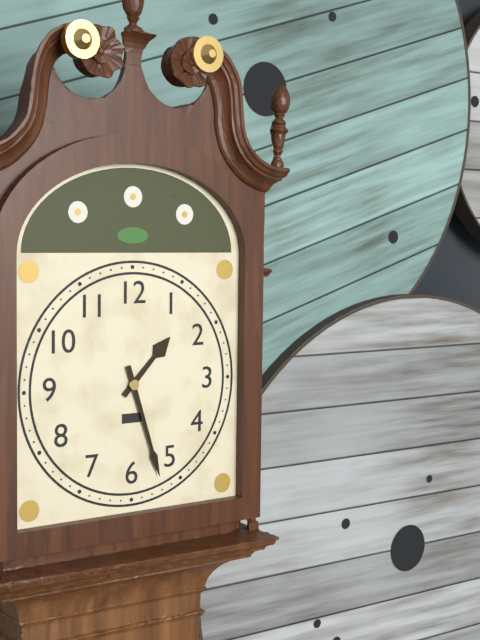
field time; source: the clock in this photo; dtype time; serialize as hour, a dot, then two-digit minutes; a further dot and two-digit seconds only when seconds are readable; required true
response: 1.27
